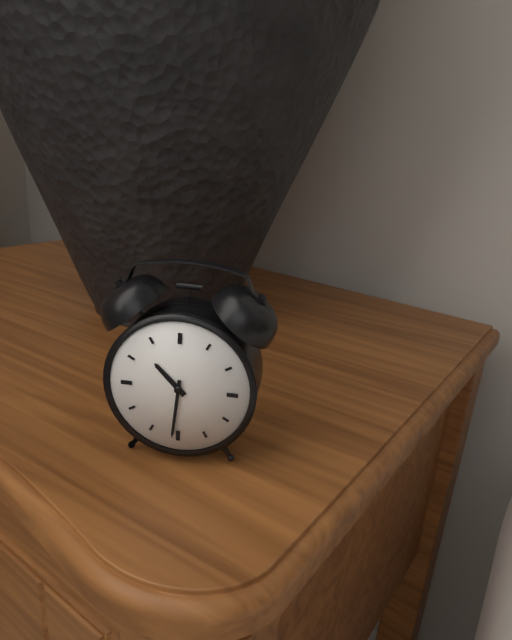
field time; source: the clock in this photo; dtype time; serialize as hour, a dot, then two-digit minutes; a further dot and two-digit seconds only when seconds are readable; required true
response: 10.31
